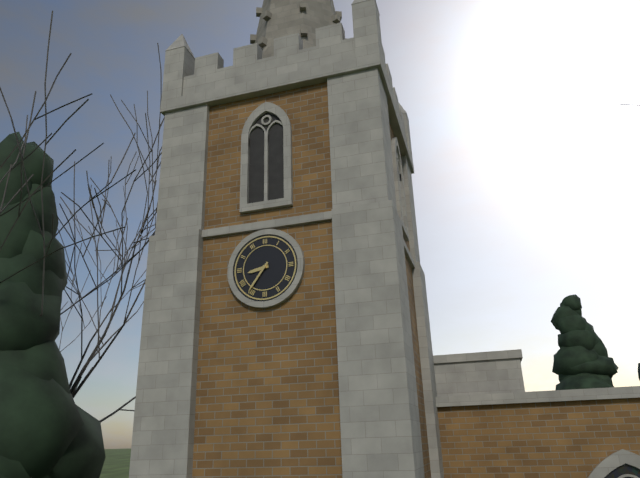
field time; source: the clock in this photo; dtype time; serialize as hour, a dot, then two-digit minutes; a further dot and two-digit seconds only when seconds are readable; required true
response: 8.36
